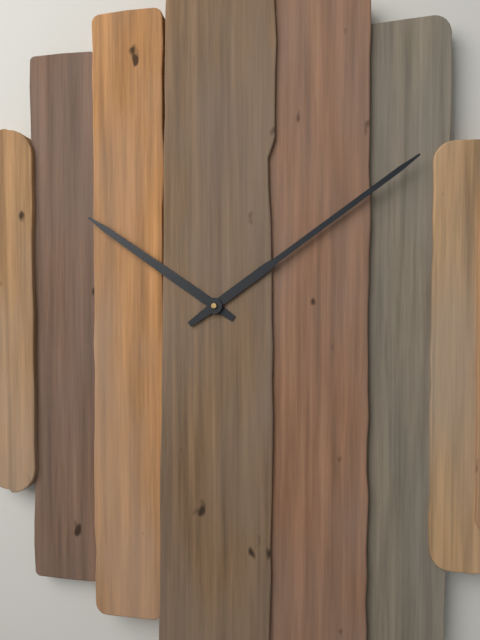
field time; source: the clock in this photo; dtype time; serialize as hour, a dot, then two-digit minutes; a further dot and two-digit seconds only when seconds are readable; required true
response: 10.09
